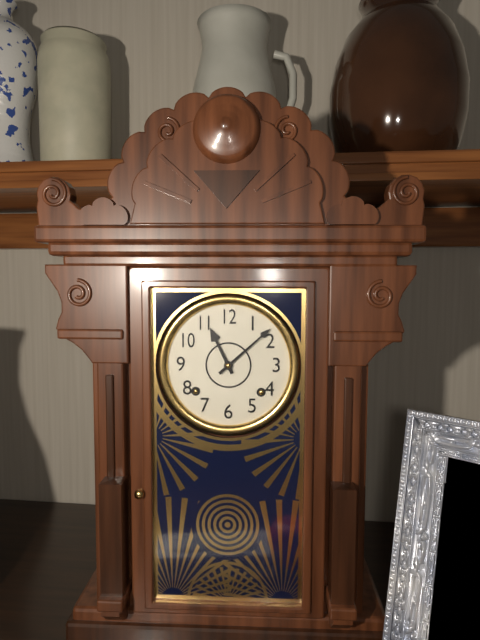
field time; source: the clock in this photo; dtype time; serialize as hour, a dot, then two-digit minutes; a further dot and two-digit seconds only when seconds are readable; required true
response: 11.08
